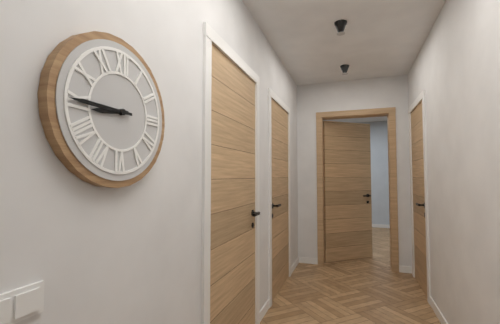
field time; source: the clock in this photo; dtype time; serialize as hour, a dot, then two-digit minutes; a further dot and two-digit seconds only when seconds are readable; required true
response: 8.45
